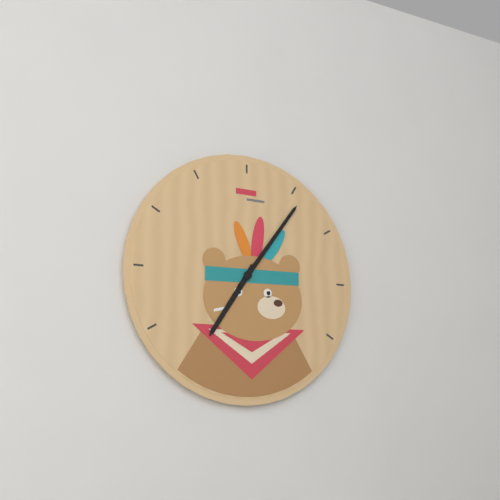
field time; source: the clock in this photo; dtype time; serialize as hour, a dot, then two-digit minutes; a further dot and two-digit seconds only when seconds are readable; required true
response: 7.06
